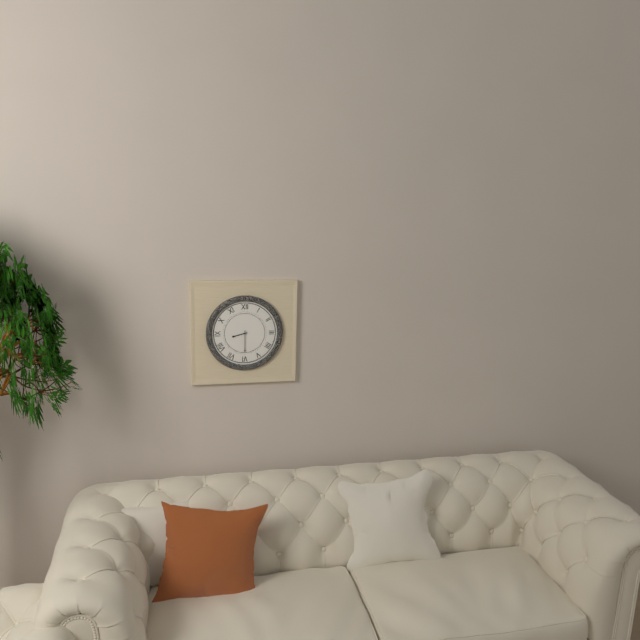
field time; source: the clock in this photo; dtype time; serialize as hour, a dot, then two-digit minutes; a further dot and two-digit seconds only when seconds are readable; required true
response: 8.30
